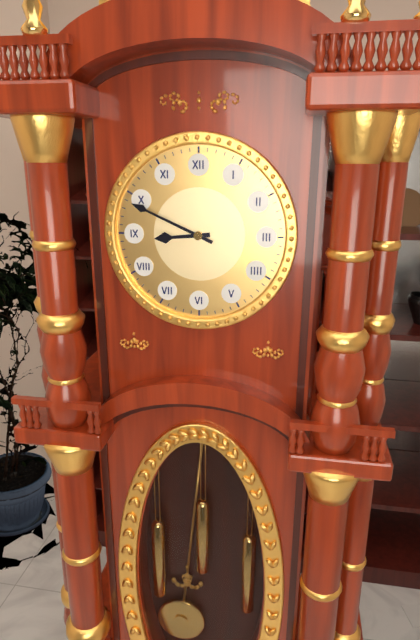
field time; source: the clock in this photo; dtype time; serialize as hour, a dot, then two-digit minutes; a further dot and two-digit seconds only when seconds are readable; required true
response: 8.49
